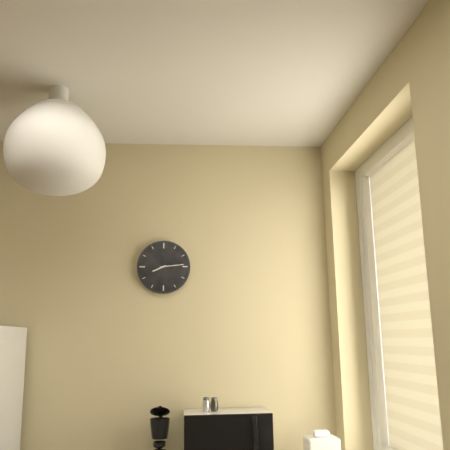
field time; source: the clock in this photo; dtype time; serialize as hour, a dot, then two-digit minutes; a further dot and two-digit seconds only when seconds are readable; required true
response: 8.14
